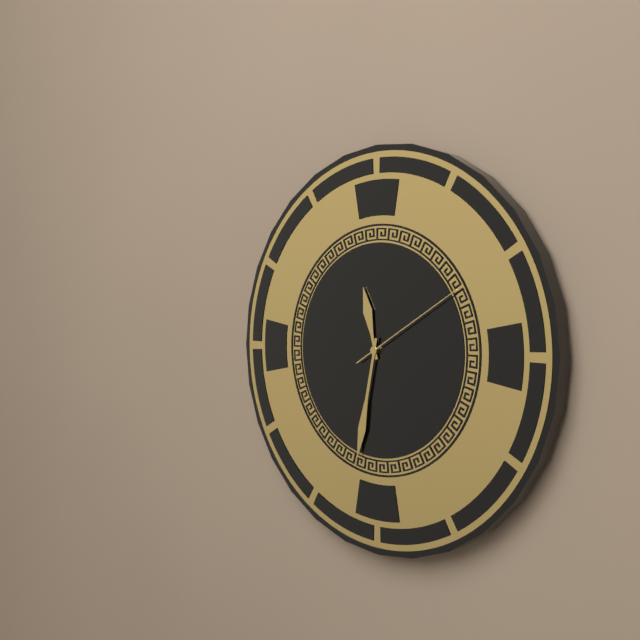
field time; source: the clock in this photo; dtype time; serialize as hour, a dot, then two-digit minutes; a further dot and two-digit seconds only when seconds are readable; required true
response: 11.32.10
